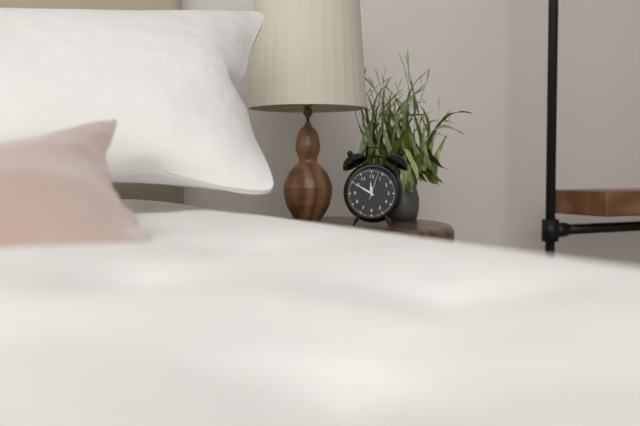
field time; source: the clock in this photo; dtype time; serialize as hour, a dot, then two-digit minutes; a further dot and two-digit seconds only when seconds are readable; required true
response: 11.50
